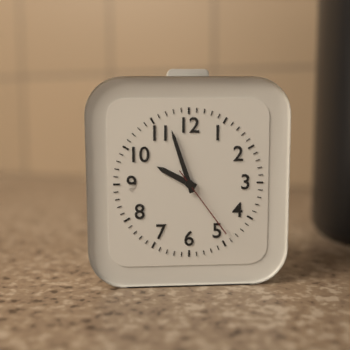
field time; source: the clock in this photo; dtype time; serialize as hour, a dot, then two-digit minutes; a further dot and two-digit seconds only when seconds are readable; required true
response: 9.57.24
